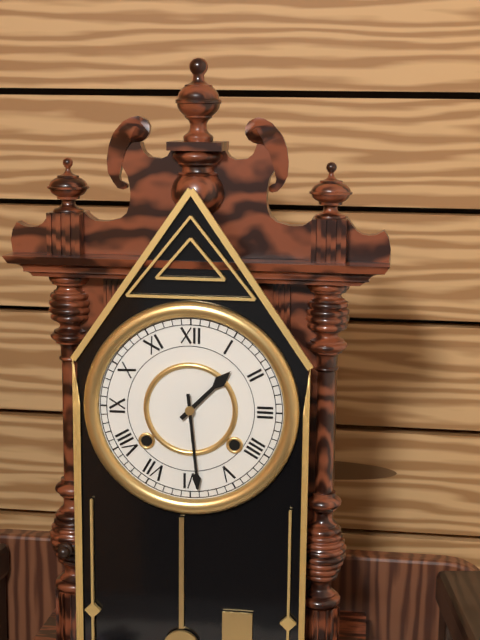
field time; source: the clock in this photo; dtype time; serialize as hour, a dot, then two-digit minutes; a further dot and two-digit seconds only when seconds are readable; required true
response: 1.29
